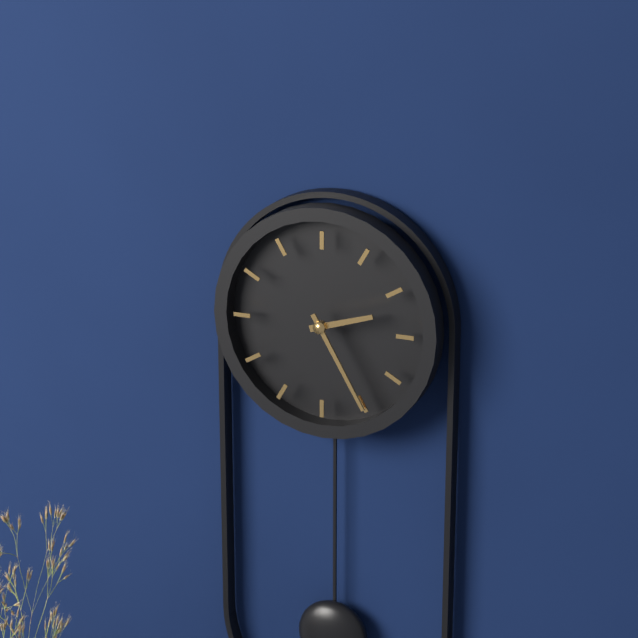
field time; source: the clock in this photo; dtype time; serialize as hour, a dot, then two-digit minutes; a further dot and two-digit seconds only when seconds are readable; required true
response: 2.25
